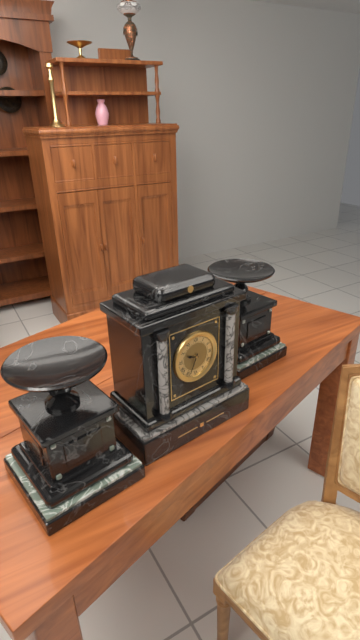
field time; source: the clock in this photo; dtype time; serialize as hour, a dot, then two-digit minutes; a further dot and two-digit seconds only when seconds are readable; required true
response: 9.34
